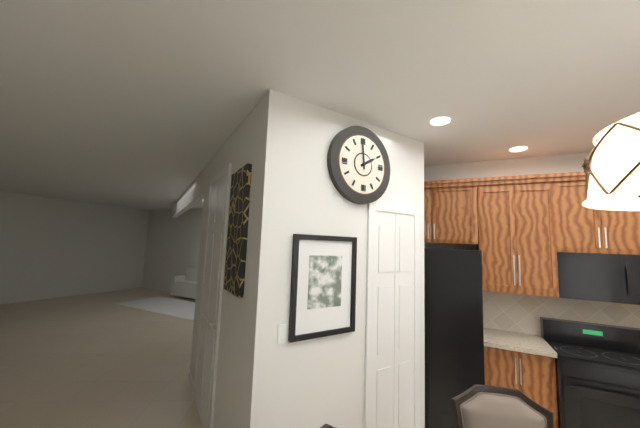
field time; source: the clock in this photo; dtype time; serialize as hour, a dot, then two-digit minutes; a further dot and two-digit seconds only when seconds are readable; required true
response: 1.59
